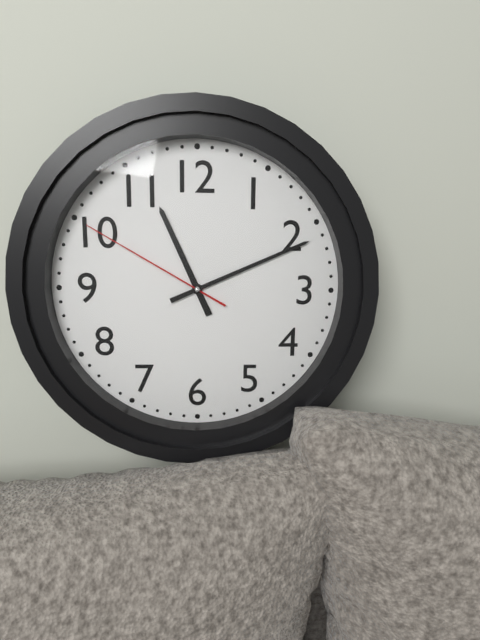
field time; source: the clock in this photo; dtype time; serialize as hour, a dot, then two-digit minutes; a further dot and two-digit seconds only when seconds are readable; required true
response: 11.11.50
